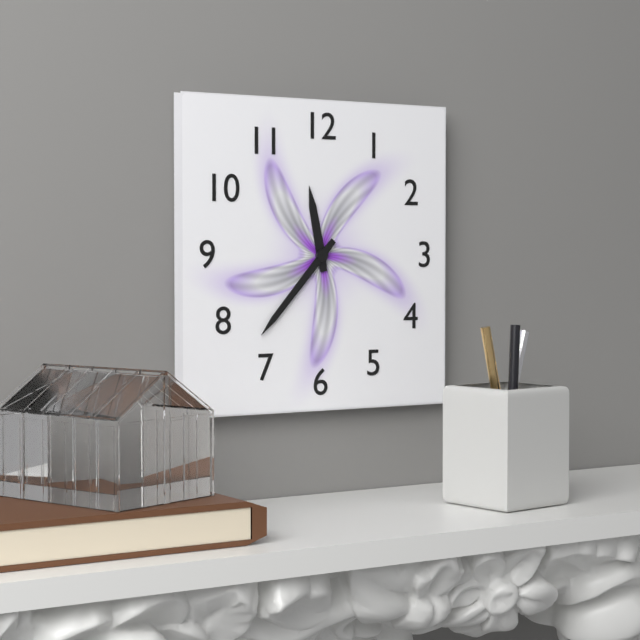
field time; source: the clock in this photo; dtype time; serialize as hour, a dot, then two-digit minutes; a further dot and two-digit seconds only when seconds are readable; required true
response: 11.37
